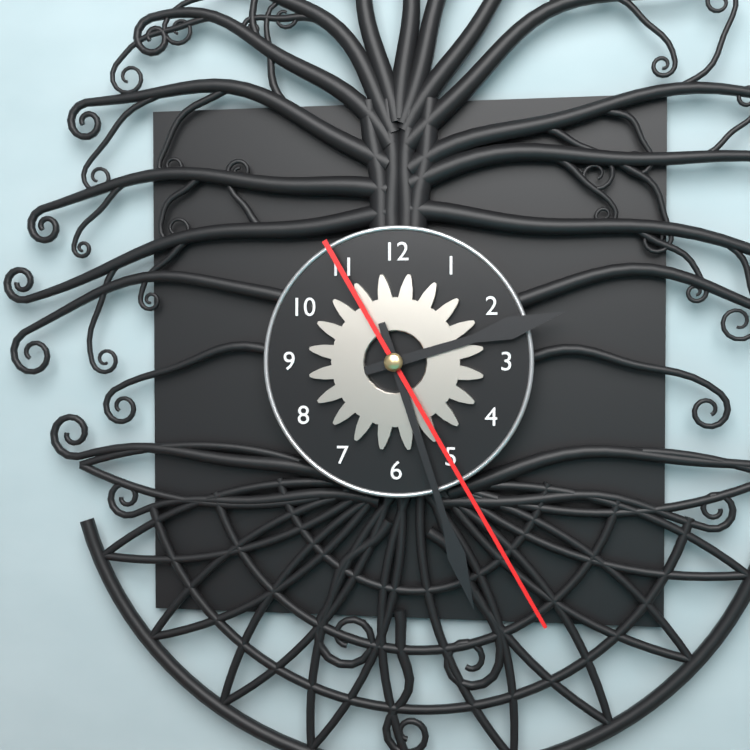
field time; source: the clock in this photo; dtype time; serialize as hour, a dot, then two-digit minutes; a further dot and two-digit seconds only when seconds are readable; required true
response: 2.27.25
